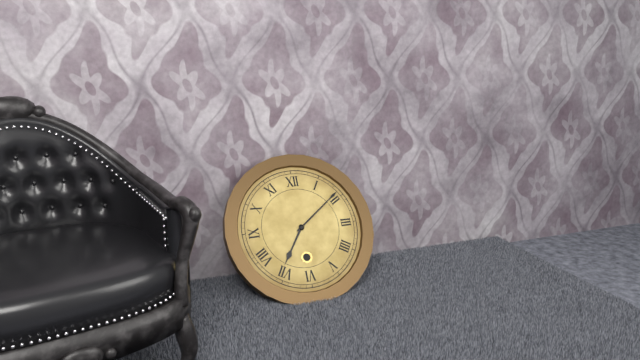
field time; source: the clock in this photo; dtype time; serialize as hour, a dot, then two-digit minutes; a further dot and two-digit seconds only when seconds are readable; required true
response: 7.09
